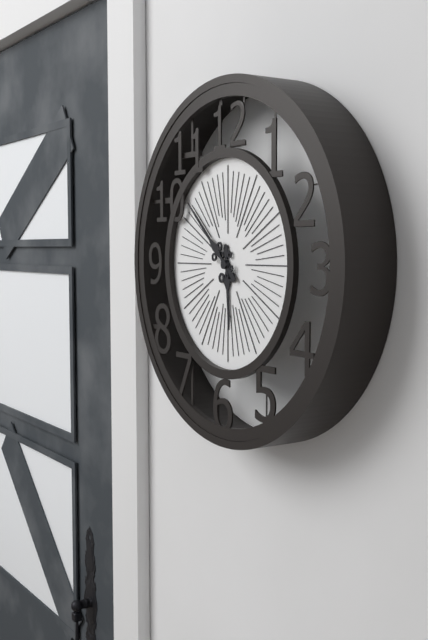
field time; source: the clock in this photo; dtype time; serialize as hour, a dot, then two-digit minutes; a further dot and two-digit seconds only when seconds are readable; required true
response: 5.52
